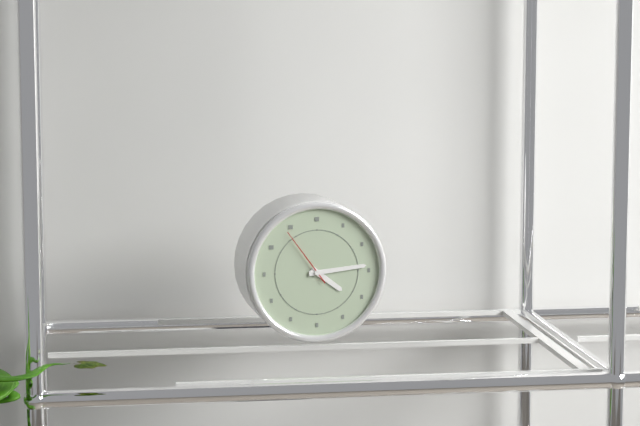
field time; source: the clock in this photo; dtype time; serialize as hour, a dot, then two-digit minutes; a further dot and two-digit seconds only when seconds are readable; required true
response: 4.14.54
